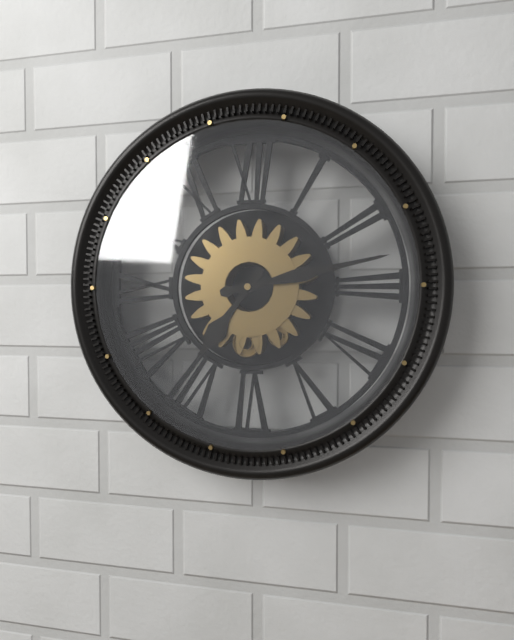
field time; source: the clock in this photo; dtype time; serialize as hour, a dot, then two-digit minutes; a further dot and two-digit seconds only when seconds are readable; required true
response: 7.13
